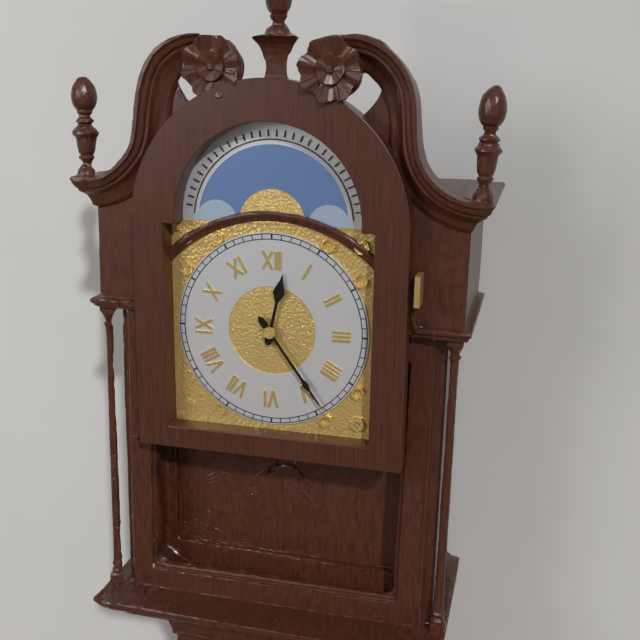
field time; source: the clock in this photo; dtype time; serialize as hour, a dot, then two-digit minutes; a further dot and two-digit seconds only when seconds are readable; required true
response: 12.24
